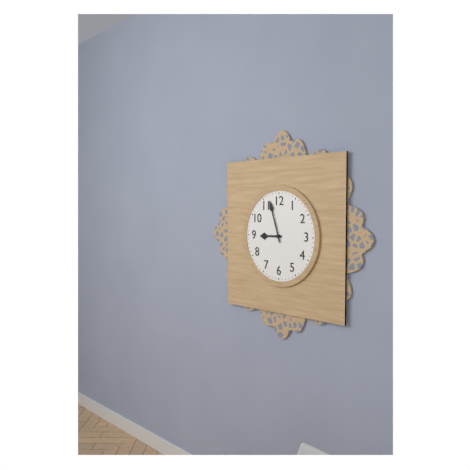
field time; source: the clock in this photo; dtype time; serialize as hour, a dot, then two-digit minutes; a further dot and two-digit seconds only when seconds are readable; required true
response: 8.57
